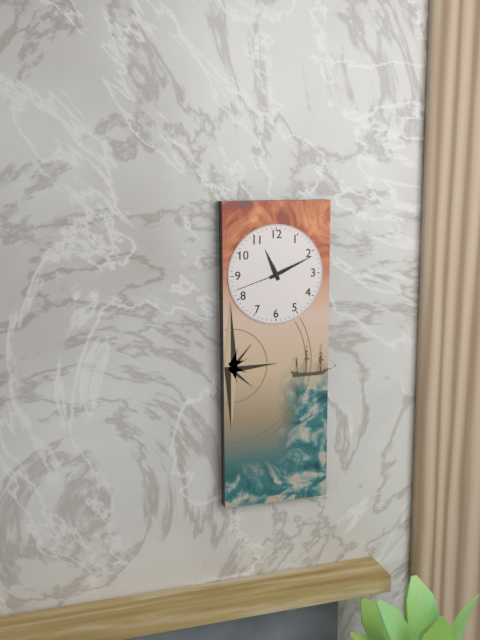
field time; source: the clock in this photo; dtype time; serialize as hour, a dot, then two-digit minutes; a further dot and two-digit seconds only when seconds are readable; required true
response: 11.11.42
